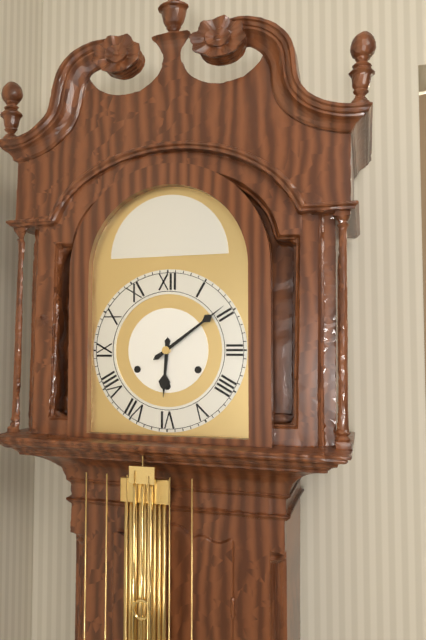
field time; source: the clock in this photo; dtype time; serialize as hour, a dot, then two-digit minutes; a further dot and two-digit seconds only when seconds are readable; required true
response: 6.09
